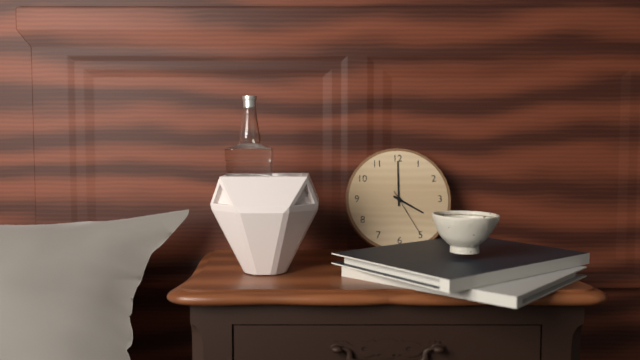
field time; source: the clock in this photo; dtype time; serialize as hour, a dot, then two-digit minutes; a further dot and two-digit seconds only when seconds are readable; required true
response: 4.00.25
